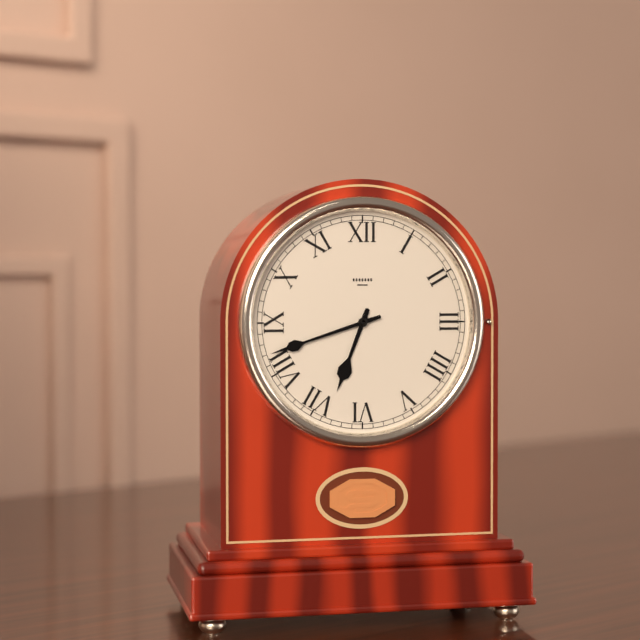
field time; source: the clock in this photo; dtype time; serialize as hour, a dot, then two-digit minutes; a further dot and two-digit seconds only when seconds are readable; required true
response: 6.42
